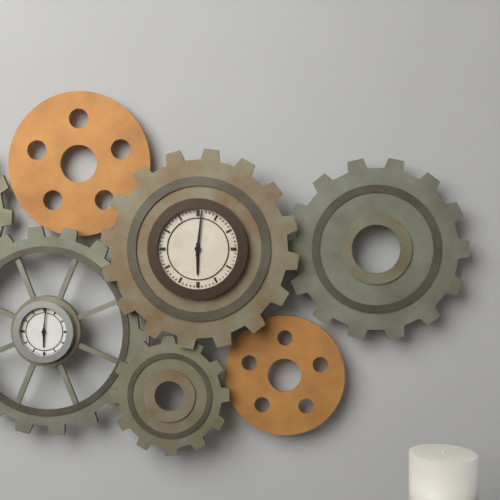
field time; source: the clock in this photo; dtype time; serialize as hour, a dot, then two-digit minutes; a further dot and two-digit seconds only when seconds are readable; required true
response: 6.01
